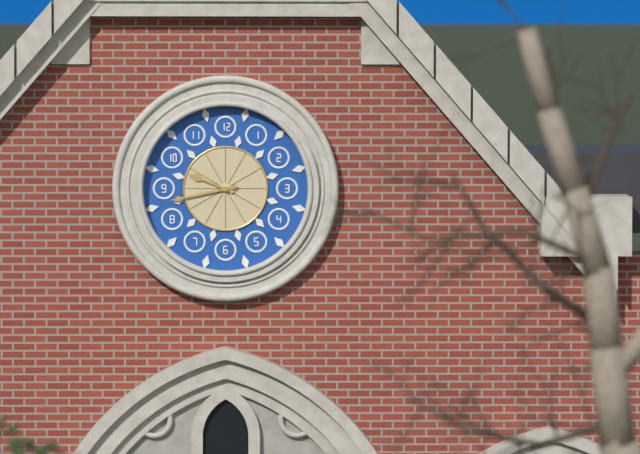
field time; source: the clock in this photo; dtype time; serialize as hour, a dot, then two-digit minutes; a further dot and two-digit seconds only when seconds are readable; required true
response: 9.43
